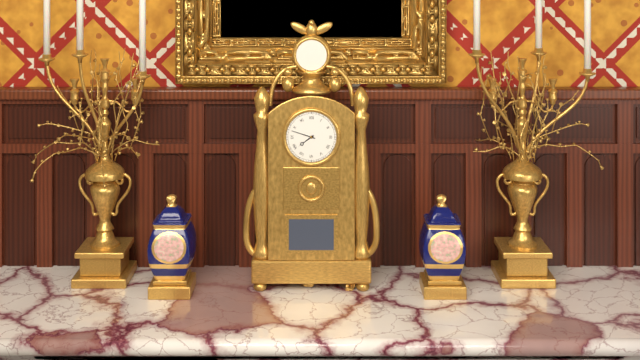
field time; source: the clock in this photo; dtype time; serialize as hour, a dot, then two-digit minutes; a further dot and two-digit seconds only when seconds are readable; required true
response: 7.48
